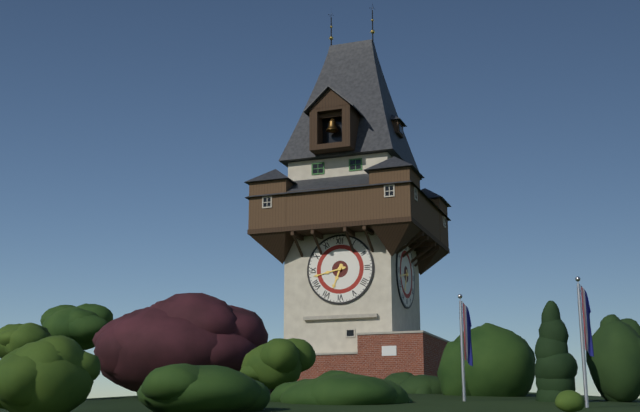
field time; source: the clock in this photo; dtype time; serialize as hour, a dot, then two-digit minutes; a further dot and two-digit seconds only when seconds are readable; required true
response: 6.43
